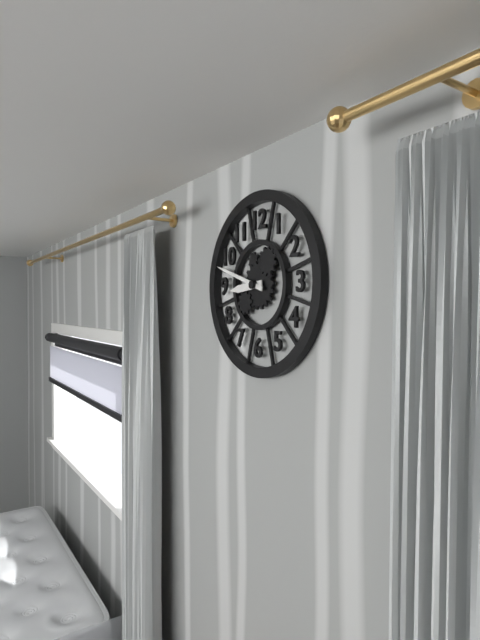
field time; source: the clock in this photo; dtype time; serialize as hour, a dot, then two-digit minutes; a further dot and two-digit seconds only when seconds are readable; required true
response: 8.48
